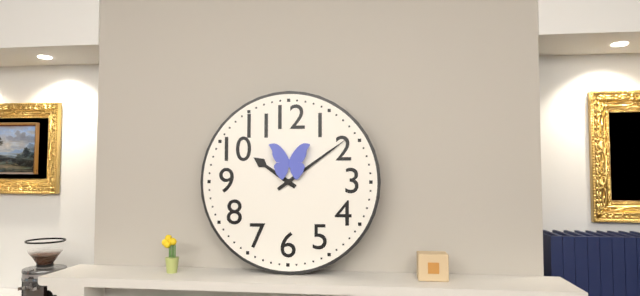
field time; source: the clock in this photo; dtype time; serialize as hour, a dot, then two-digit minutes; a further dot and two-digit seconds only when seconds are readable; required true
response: 10.09
